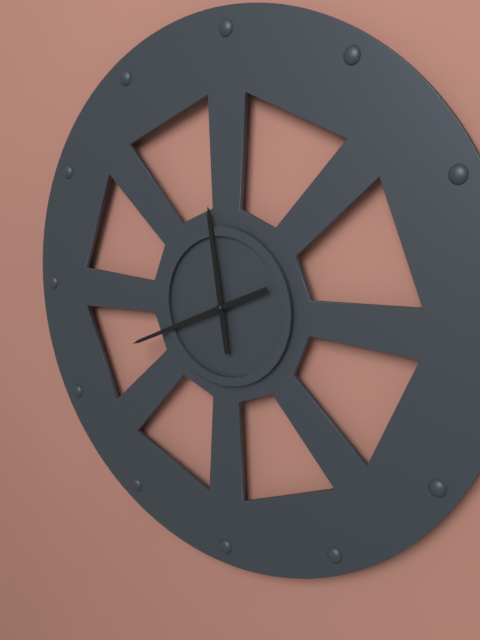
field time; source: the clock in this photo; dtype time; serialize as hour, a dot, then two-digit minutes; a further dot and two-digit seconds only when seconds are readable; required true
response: 11.41
